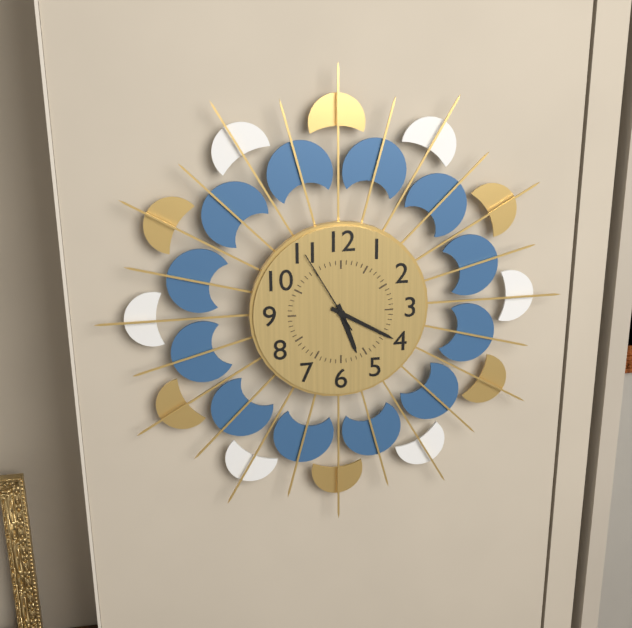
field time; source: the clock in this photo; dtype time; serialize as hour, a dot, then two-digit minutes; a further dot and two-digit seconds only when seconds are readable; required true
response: 5.20.55
